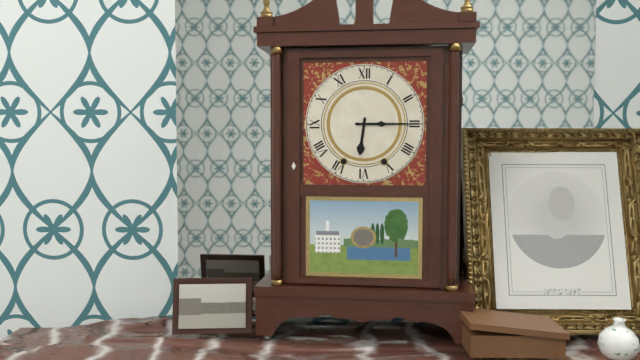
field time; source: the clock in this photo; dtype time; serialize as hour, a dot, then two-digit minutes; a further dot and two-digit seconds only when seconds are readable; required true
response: 6.15
